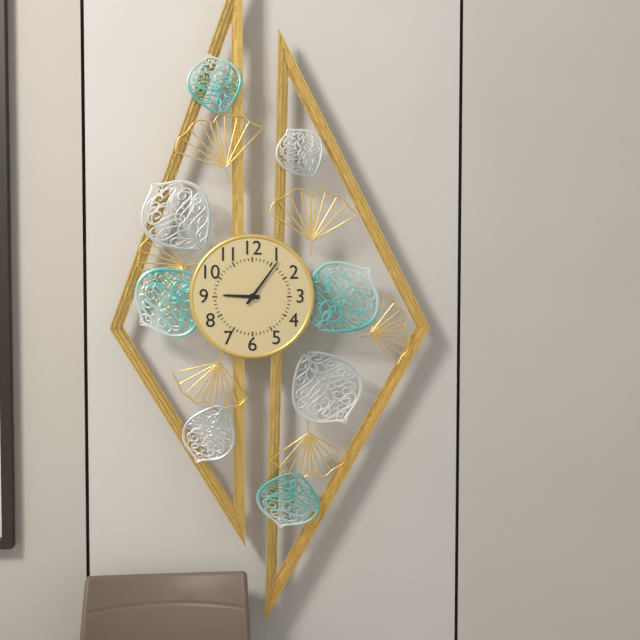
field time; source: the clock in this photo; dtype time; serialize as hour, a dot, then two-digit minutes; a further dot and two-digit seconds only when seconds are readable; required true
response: 9.06
